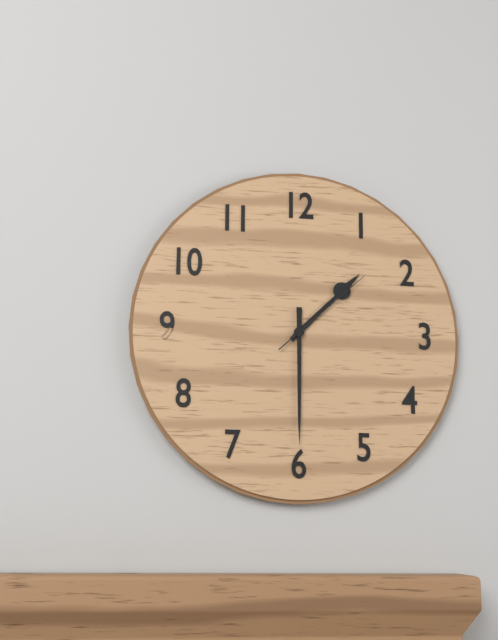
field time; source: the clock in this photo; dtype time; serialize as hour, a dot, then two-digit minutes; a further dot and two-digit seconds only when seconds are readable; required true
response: 1.30.08
